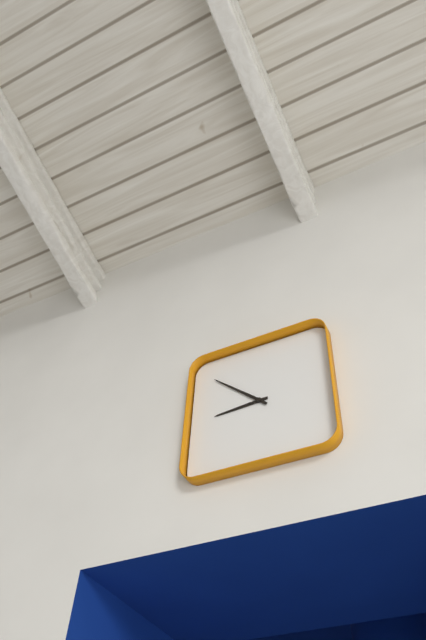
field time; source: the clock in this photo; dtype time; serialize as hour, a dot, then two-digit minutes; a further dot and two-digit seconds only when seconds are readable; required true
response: 8.52
